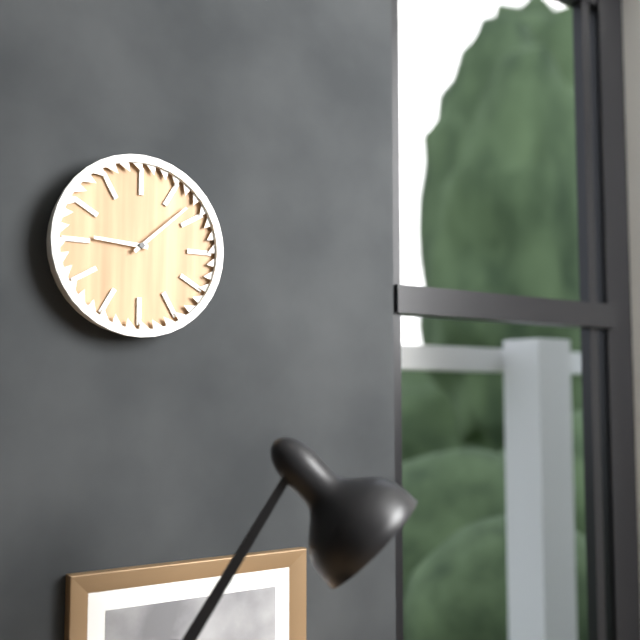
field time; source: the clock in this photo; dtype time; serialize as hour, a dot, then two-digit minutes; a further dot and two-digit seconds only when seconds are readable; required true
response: 9.08
